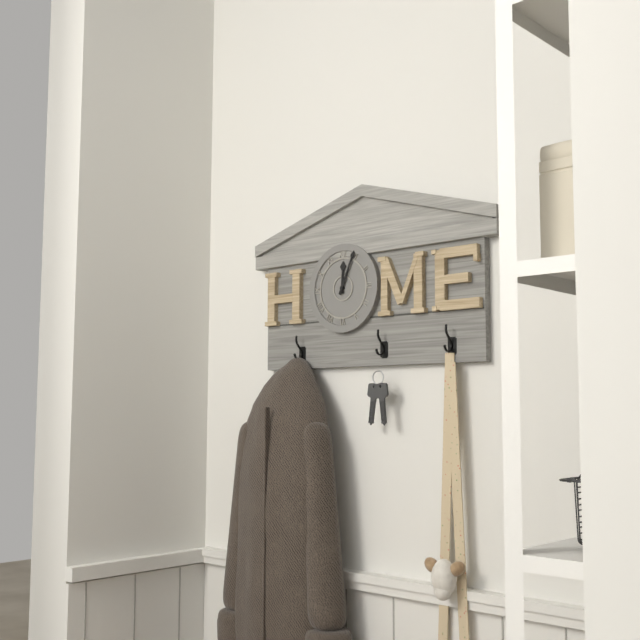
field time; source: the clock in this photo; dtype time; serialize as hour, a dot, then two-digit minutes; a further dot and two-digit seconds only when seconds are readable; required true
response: 12.04
